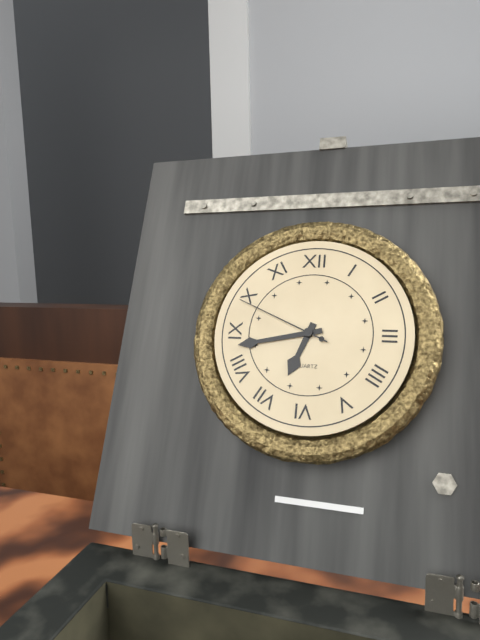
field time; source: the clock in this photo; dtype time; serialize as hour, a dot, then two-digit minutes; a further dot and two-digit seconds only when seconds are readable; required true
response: 6.43.49
